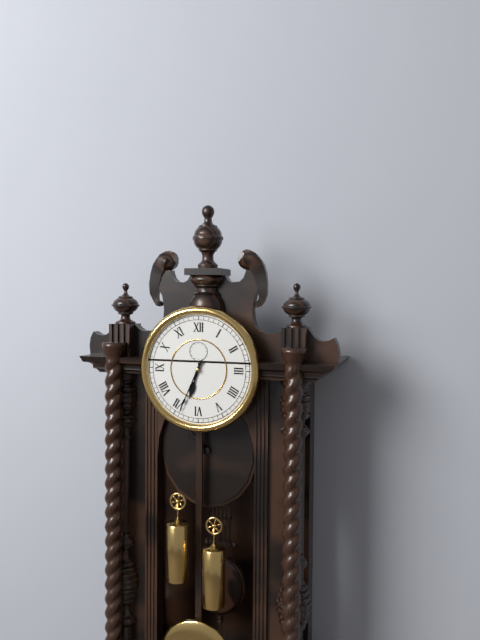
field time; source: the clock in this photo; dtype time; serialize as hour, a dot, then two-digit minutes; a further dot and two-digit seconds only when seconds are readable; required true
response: 6.34
